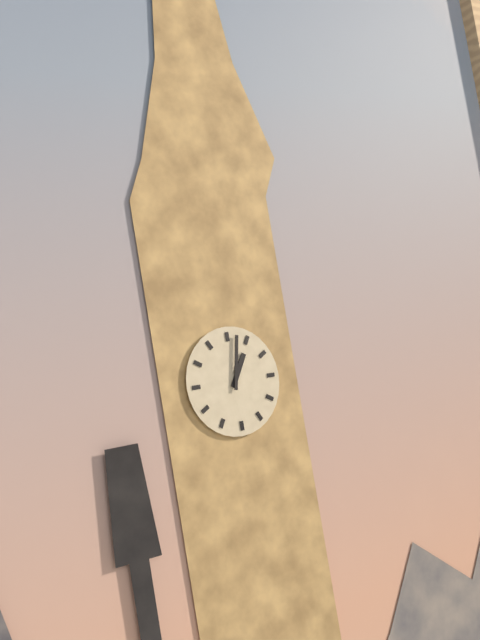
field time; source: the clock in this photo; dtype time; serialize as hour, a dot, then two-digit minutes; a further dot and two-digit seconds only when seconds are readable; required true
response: 1.02
